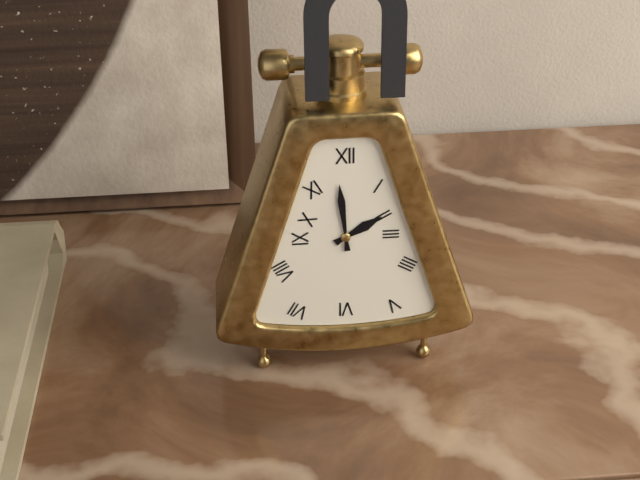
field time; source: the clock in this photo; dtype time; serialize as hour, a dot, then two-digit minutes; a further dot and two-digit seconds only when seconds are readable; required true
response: 1.59
